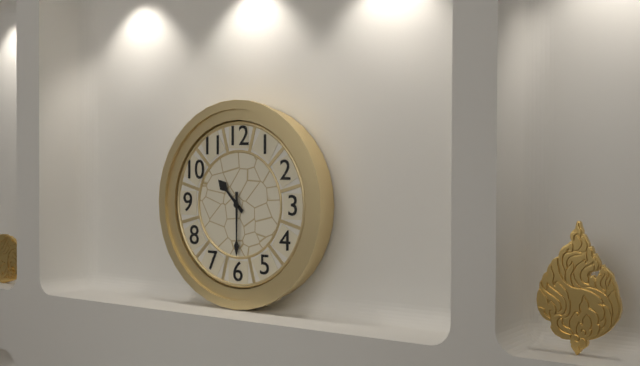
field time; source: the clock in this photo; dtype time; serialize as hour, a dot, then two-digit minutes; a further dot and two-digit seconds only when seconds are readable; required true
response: 10.30
